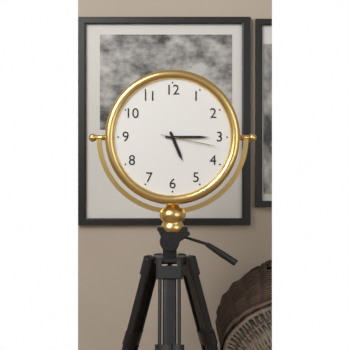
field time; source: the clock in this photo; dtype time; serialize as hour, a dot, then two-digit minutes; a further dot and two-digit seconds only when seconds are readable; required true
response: 5.15.17
